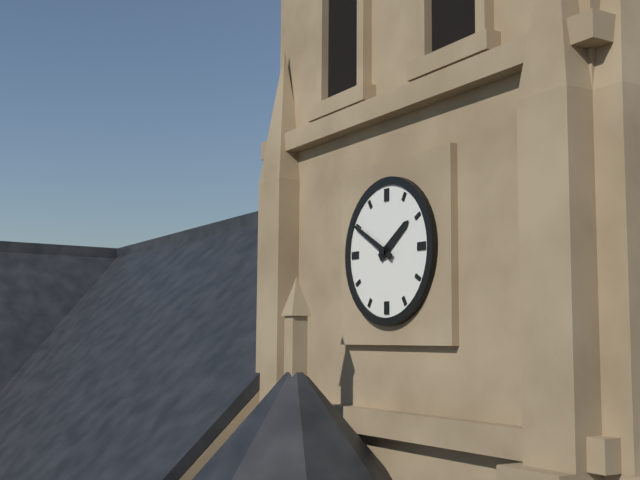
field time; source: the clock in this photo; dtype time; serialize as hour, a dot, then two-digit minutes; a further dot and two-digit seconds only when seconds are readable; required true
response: 1.50
